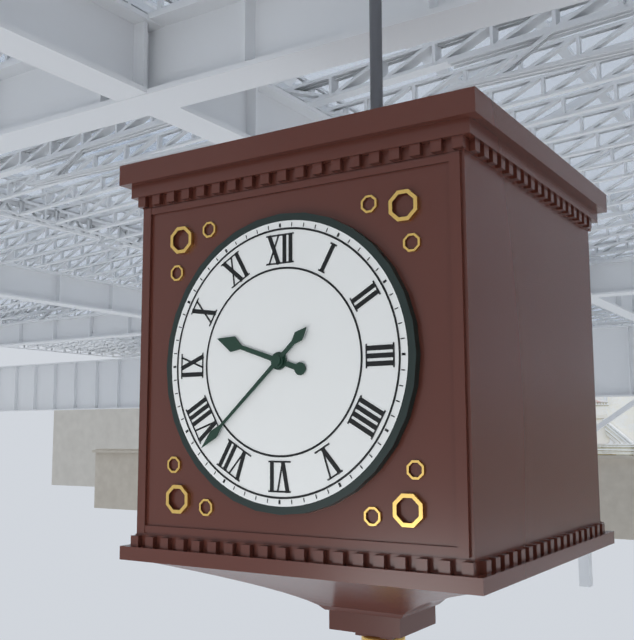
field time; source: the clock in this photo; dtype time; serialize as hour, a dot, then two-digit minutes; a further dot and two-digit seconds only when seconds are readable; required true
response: 9.38
